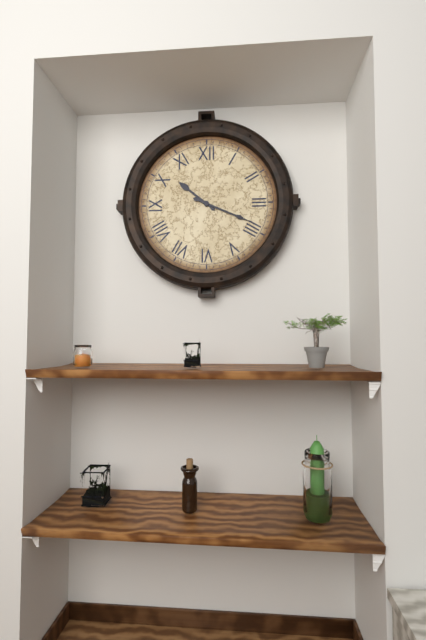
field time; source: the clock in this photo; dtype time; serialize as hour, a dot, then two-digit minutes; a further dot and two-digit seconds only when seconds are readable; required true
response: 10.19
